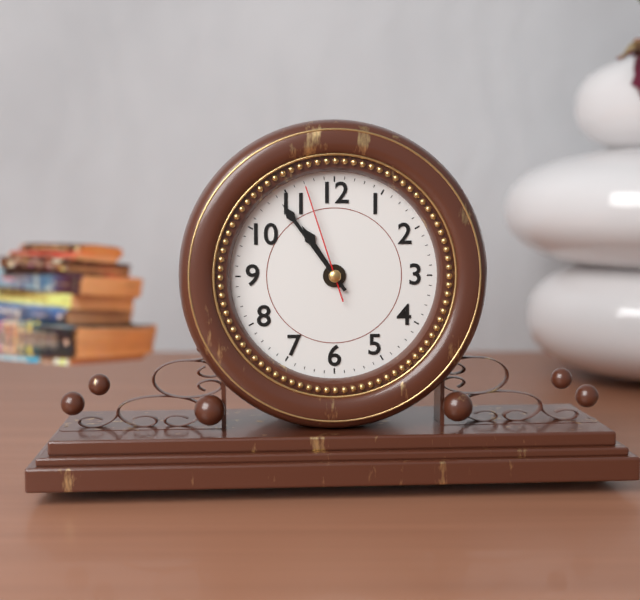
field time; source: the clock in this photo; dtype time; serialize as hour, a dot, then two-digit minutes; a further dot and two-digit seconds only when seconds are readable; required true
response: 10.54.57
